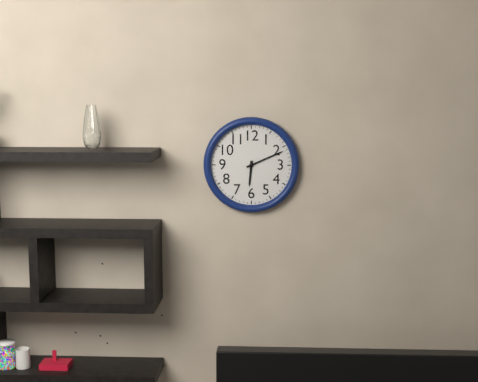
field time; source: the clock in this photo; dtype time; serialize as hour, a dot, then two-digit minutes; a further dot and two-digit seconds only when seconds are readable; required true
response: 6.11
